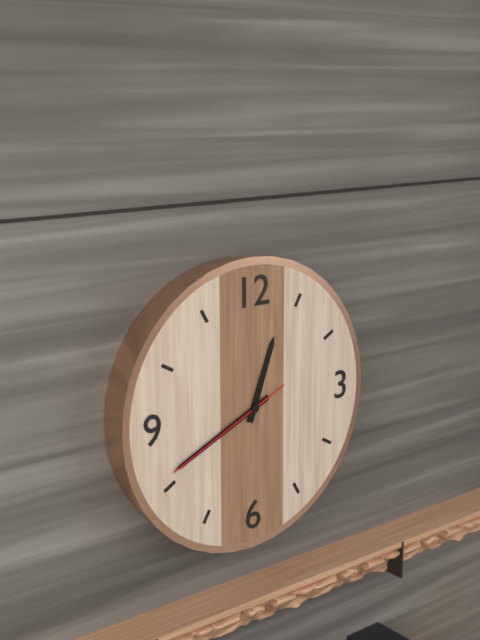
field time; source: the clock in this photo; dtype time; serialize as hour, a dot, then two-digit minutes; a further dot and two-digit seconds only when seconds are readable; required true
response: 12.41.41
